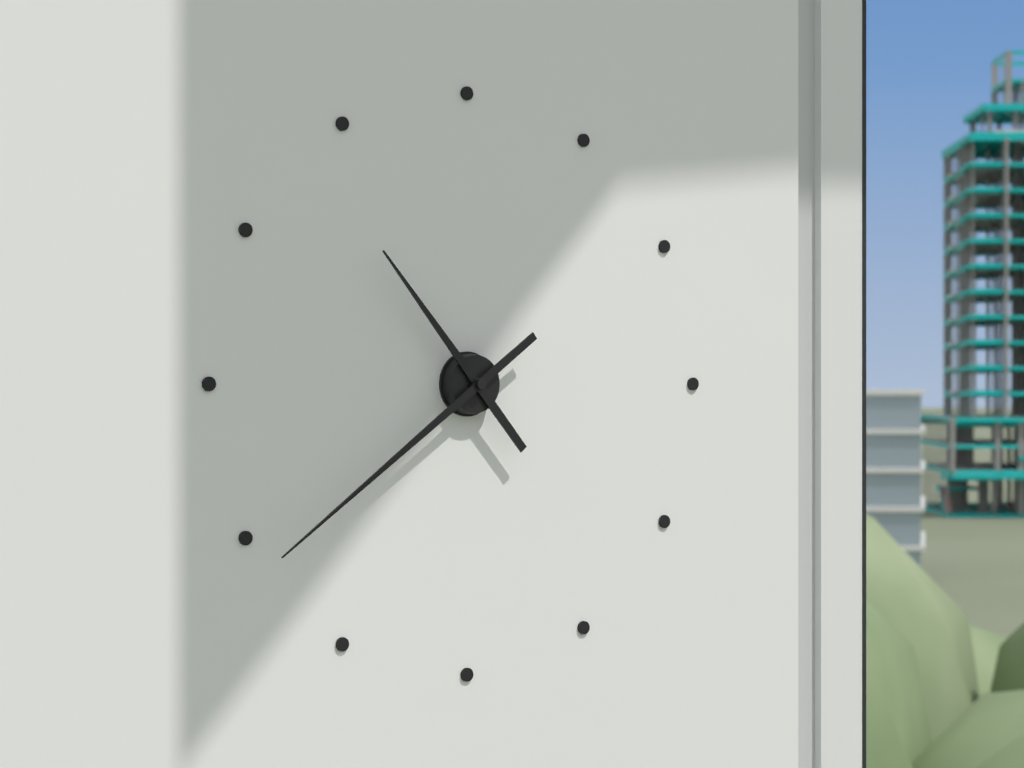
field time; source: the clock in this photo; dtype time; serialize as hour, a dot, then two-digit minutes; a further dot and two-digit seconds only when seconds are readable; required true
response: 10.39
